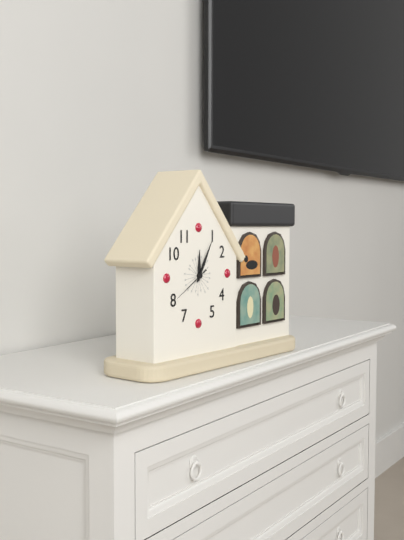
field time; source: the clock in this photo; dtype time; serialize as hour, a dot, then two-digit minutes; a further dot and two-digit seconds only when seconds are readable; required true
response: 12.05
